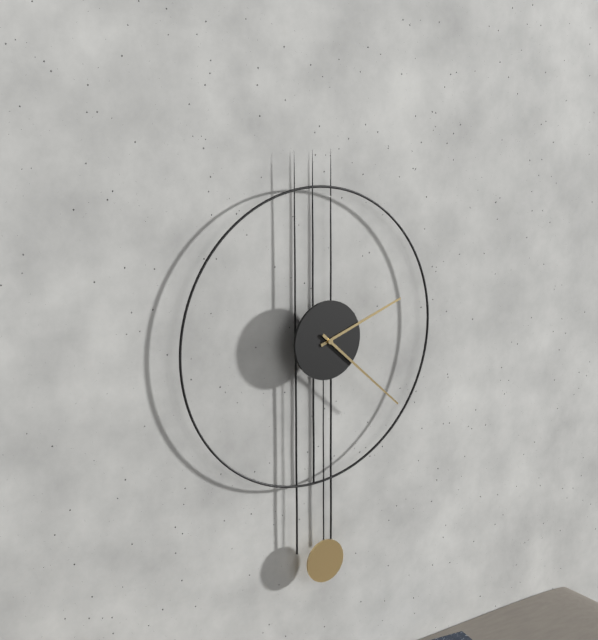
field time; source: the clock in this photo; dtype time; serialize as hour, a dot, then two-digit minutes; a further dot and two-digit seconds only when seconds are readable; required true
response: 2.22
